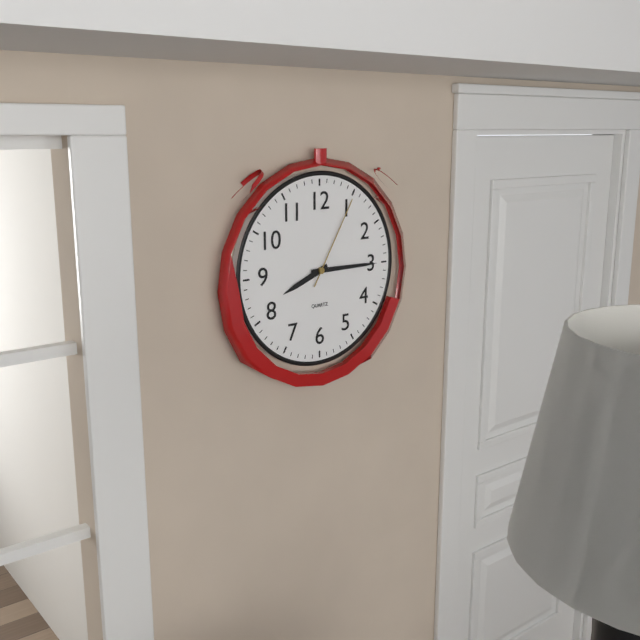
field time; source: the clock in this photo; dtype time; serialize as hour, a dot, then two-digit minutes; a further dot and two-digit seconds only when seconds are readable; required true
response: 8.15.05
